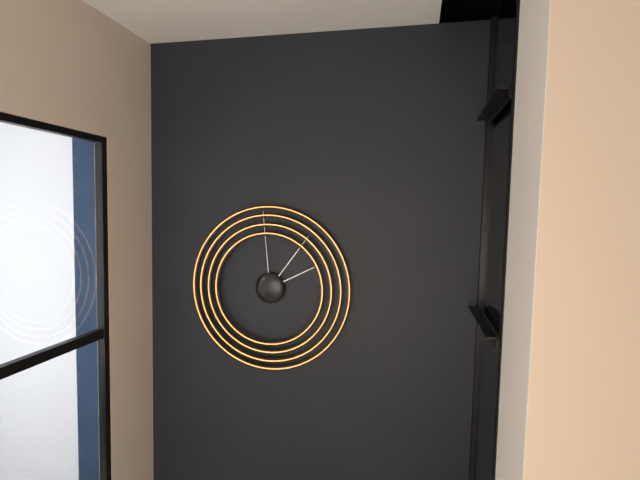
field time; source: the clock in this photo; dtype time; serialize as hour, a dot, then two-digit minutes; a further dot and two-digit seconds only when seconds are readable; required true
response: 2.06.59
